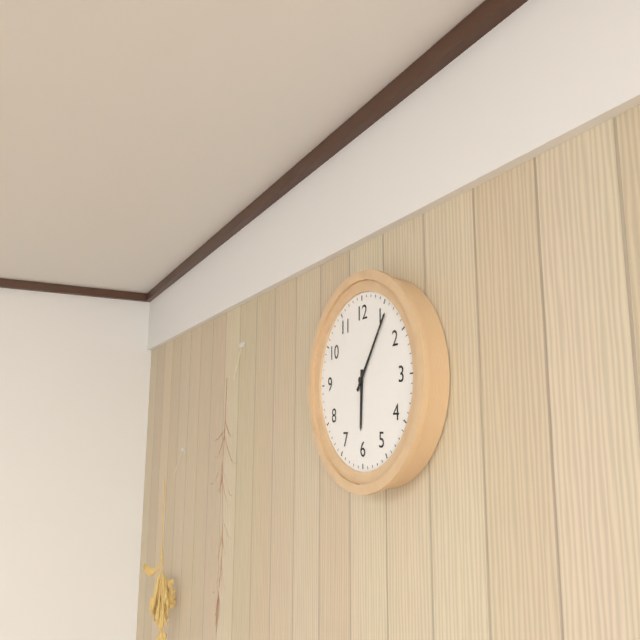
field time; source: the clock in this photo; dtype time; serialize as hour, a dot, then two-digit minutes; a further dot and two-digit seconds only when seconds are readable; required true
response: 6.06
